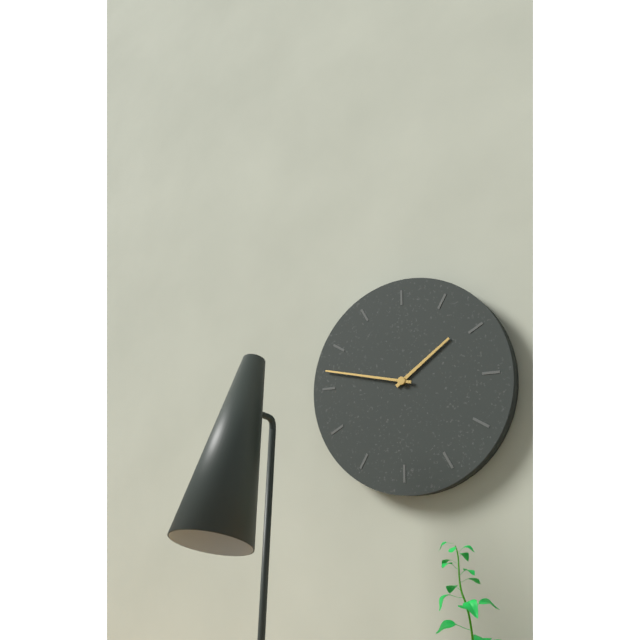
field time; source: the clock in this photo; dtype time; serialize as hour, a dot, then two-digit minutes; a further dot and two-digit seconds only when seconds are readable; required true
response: 1.47
